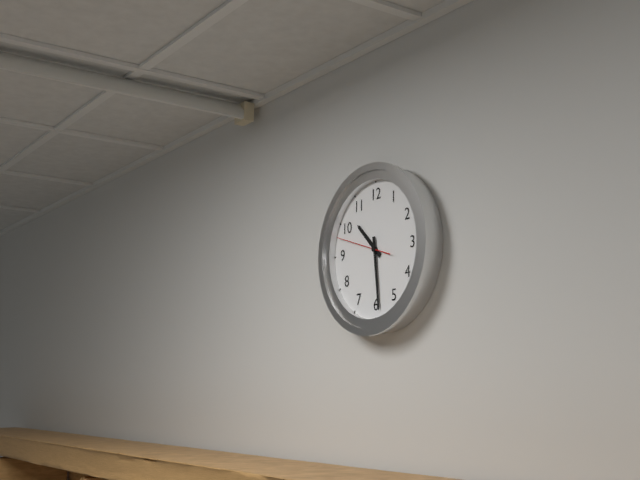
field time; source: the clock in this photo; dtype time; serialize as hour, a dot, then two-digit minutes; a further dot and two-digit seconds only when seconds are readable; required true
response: 10.29
